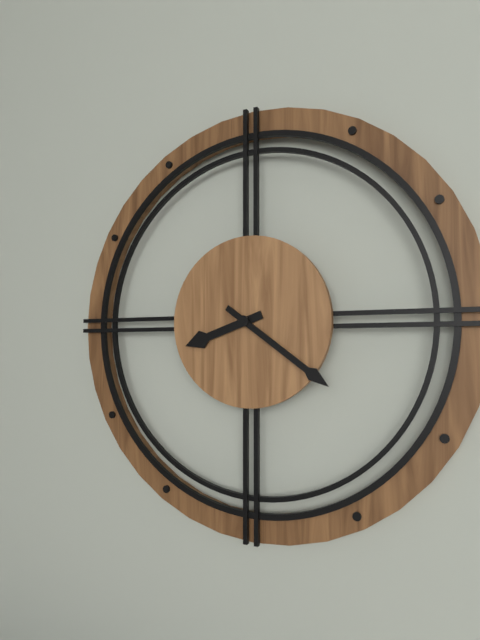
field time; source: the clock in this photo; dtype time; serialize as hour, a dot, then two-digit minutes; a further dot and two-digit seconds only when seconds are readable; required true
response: 8.21
